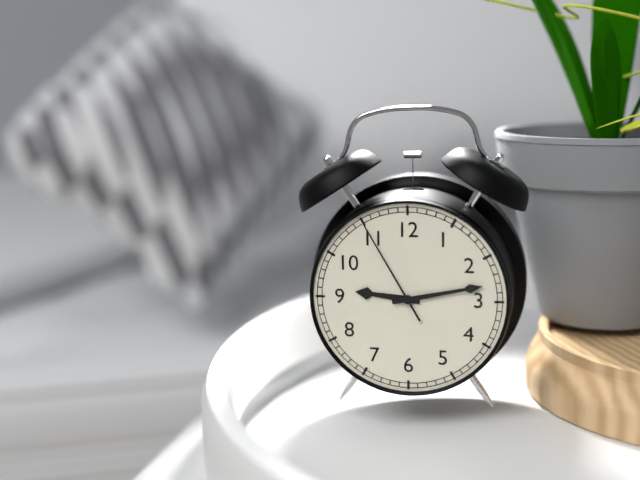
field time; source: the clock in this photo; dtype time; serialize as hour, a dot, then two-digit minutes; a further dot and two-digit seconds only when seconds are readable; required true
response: 9.13.55
